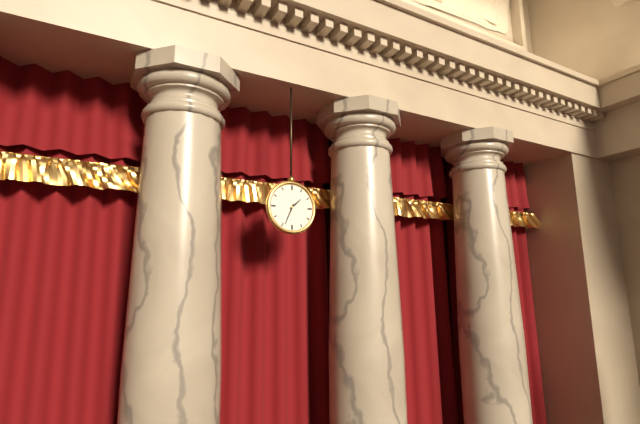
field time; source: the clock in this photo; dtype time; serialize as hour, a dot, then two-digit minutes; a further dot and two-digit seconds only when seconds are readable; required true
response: 1.34
